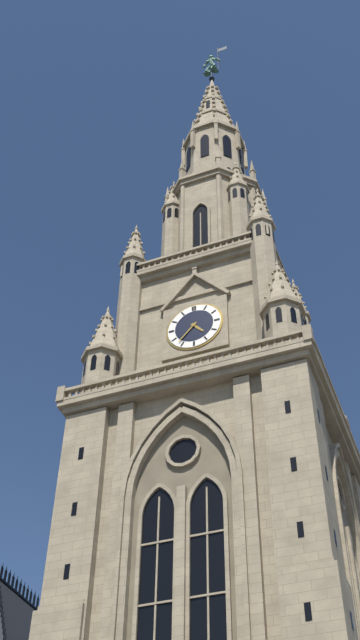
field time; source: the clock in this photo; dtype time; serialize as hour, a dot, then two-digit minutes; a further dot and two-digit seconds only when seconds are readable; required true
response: 4.37
